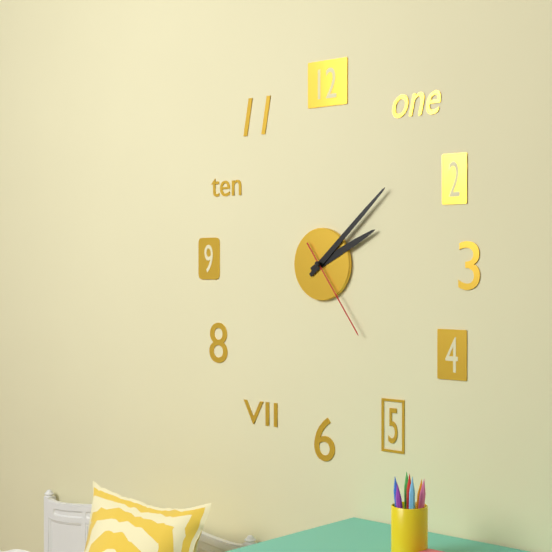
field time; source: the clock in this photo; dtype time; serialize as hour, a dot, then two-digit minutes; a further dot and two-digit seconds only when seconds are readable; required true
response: 2.08.24
